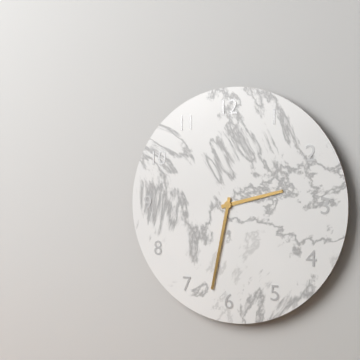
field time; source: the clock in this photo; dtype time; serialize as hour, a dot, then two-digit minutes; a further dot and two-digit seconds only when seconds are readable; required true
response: 2.32
